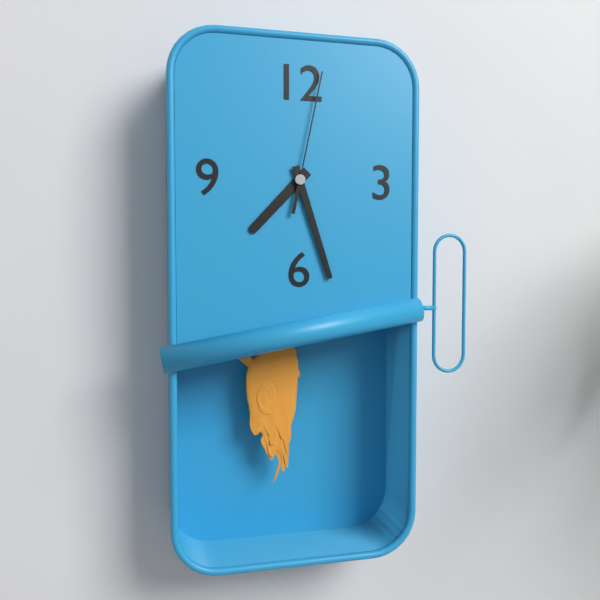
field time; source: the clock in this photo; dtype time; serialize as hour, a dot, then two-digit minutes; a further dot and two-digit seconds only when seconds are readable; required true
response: 7.27.02
